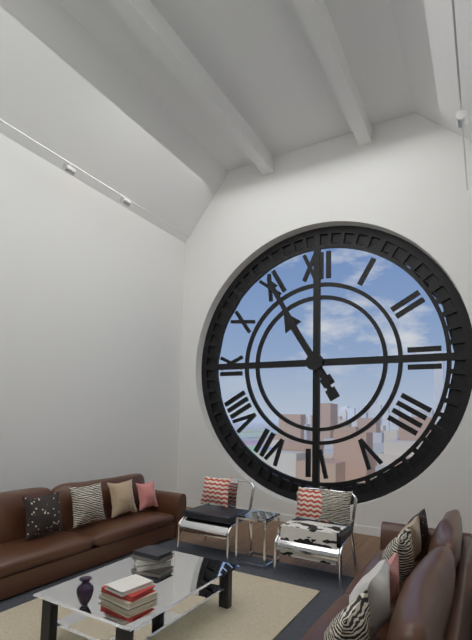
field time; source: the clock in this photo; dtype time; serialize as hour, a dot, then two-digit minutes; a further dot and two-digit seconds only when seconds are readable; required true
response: 10.55
